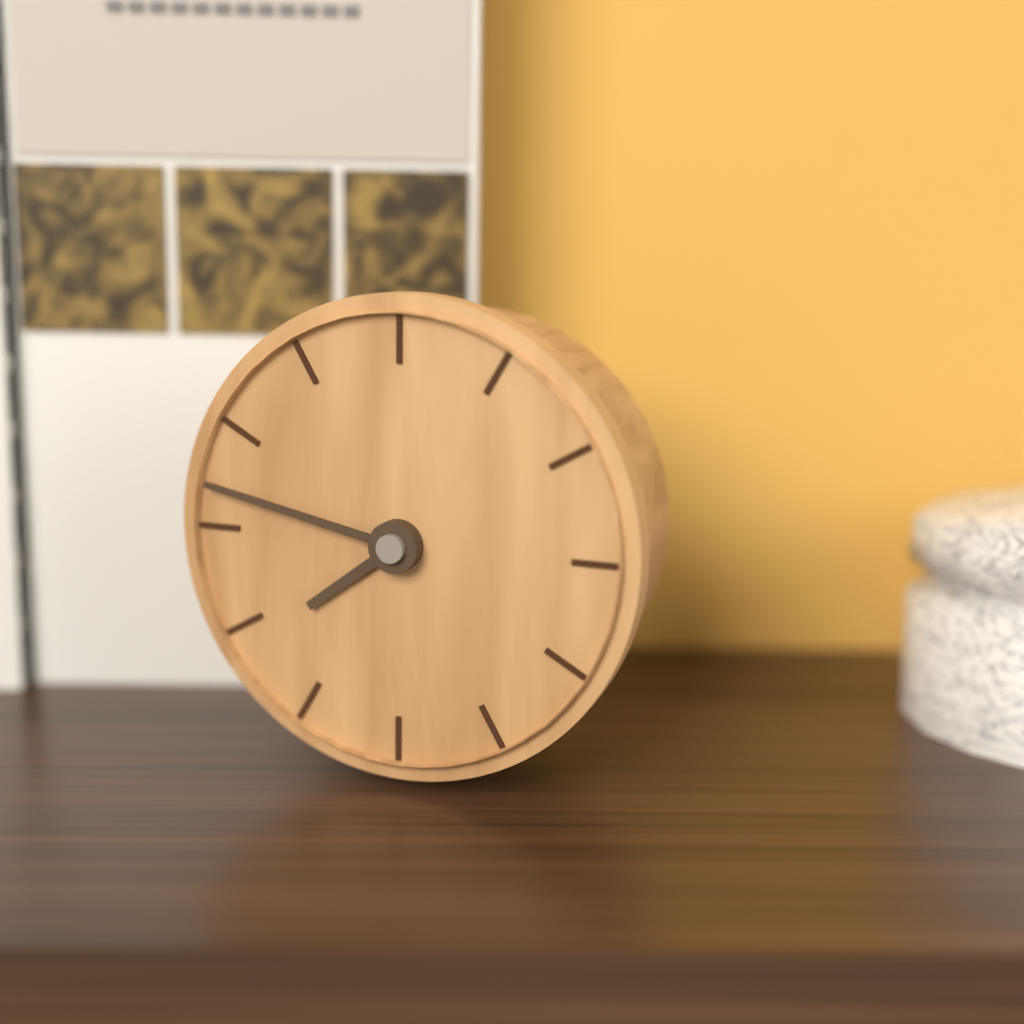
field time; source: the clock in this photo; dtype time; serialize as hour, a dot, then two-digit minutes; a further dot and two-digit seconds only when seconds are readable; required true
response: 7.47
